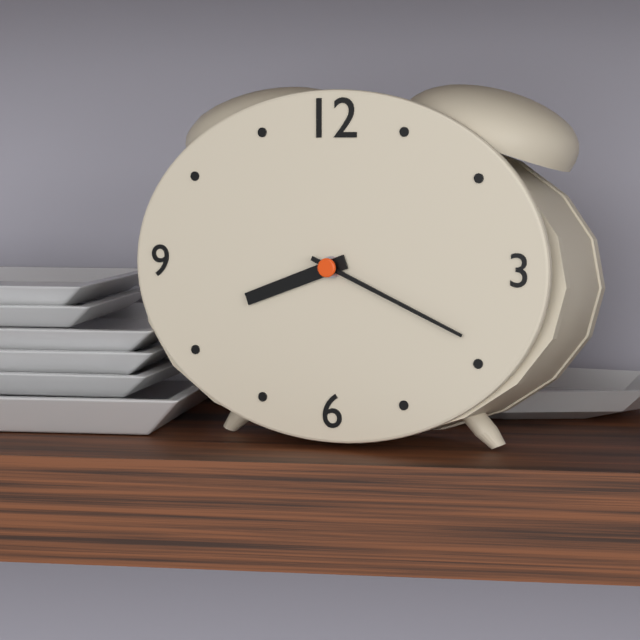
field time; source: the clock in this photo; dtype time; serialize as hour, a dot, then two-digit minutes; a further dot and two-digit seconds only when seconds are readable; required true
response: 8.19
